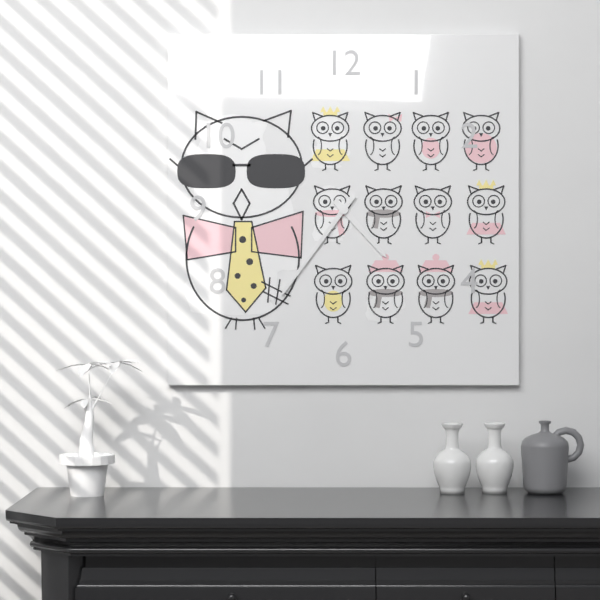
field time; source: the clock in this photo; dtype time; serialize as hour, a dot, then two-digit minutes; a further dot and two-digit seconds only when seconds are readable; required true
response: 4.36
